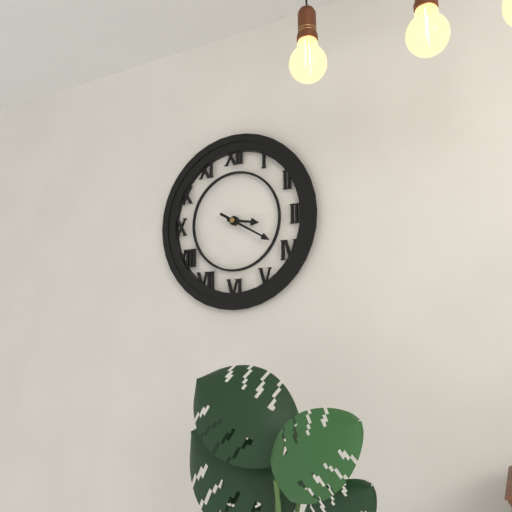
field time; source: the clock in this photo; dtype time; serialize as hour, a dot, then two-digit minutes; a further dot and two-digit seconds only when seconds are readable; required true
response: 3.20
